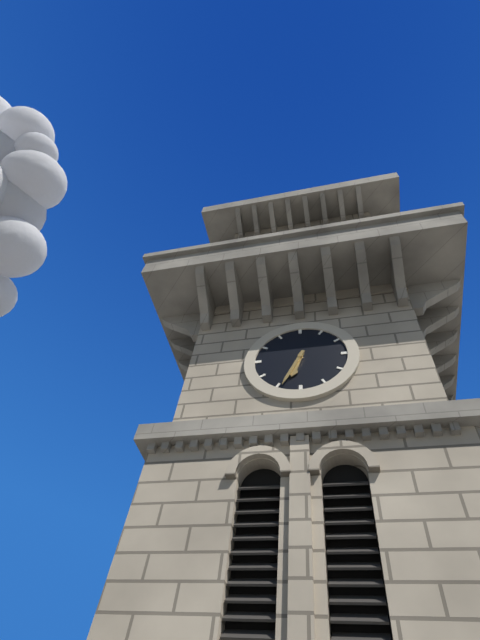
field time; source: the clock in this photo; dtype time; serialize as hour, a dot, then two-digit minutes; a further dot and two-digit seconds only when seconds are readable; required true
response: 6.34
